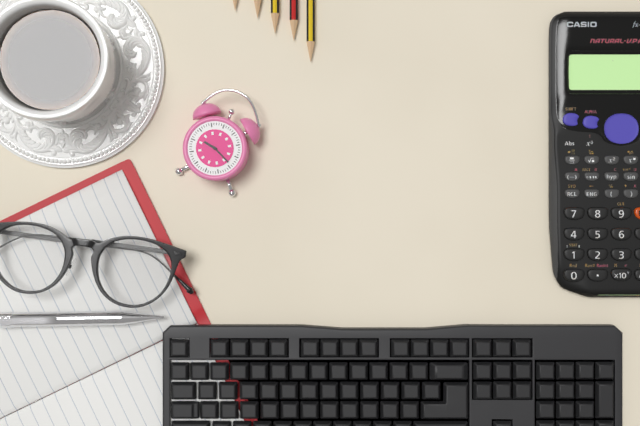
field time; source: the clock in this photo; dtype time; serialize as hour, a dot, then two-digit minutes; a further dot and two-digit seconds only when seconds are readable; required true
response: 9.19
